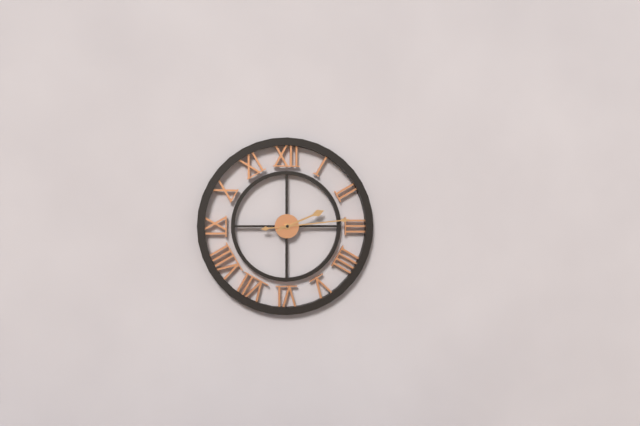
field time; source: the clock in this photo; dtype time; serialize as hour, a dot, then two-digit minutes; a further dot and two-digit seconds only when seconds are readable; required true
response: 2.14
